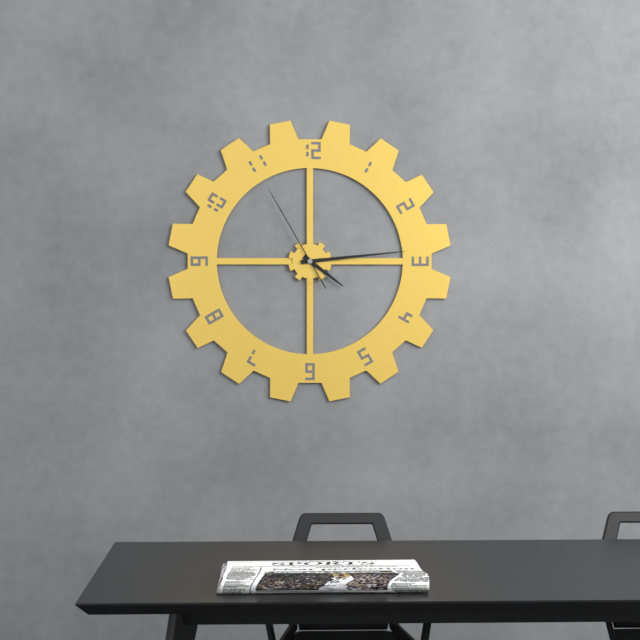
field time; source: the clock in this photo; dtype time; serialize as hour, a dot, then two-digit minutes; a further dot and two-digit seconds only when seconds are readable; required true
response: 4.14.55
